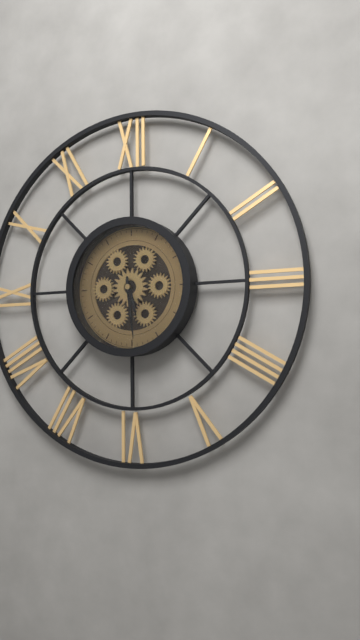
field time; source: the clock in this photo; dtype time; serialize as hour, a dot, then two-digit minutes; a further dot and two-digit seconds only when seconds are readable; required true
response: 5.29
